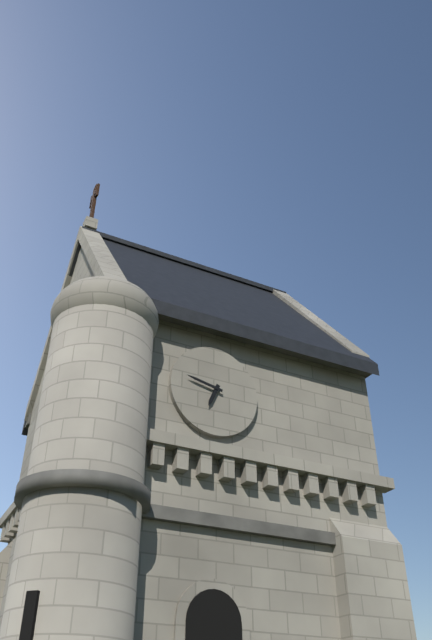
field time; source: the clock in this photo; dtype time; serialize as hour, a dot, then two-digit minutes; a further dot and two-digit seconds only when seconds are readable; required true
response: 6.47
